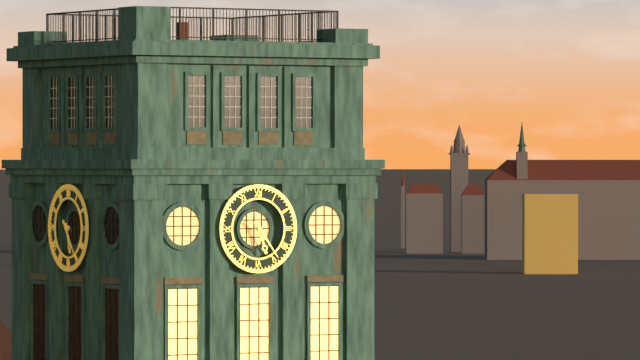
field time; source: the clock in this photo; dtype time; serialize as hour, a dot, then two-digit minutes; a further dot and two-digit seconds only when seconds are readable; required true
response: 5.24
